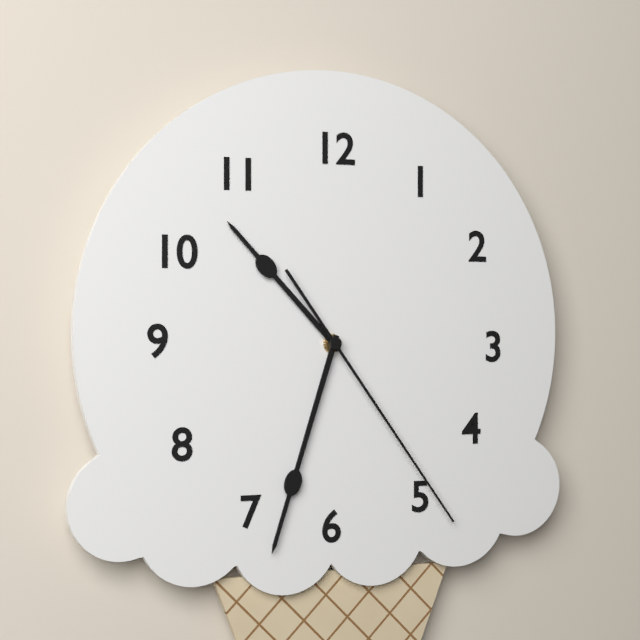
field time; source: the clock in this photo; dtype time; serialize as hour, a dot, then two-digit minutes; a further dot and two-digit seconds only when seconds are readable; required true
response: 10.33.24
